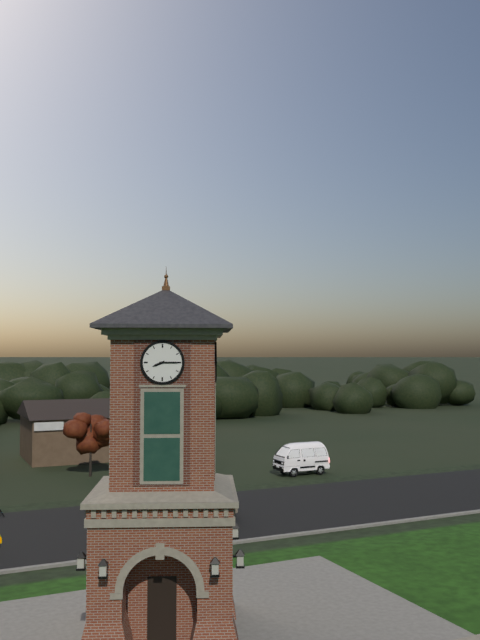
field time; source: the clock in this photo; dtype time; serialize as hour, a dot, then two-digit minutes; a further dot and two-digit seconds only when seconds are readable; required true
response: 8.15
